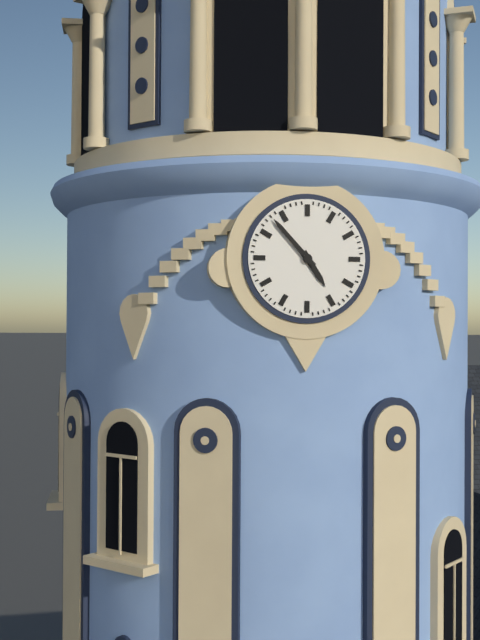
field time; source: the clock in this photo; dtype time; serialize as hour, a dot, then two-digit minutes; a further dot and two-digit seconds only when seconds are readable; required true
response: 4.53
